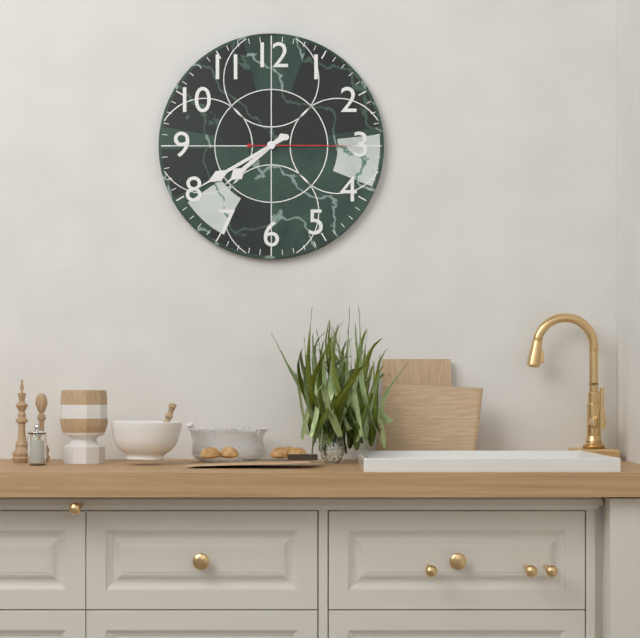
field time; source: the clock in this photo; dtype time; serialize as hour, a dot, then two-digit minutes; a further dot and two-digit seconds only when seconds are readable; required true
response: 7.40.15
